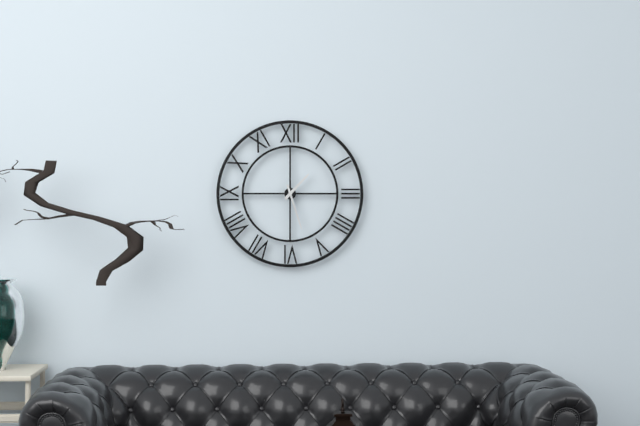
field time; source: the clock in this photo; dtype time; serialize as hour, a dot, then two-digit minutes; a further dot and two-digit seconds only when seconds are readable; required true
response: 1.27
